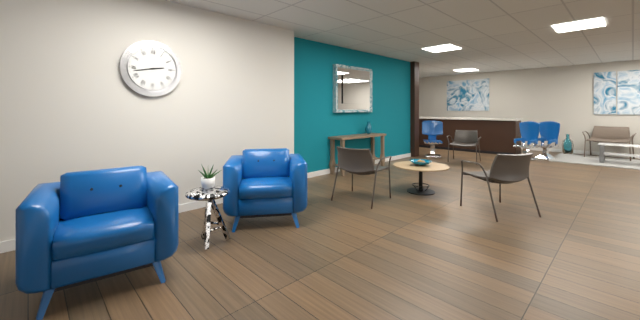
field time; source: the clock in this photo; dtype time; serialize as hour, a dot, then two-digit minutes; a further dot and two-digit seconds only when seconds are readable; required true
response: 2.43
